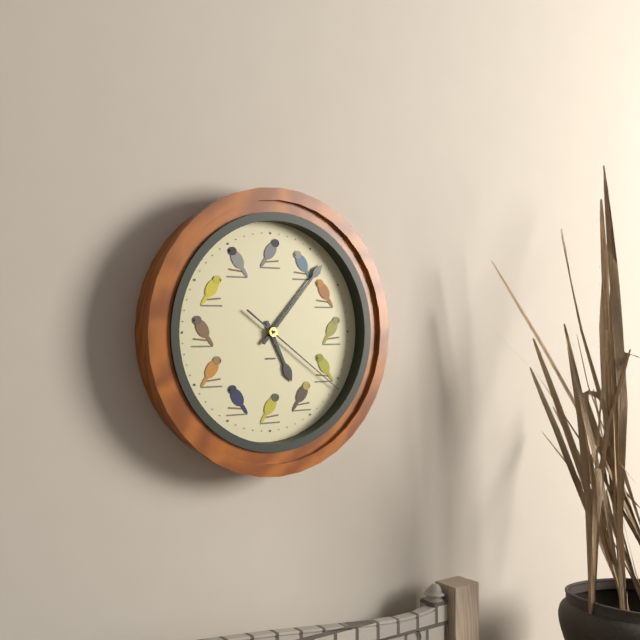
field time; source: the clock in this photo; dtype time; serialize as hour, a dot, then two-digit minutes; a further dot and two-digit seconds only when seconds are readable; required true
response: 5.07.21
